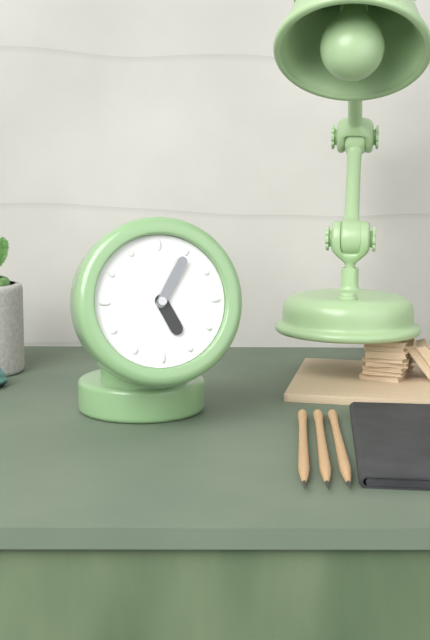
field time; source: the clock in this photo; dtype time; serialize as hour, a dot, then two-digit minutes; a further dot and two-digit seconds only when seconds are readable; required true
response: 5.05
